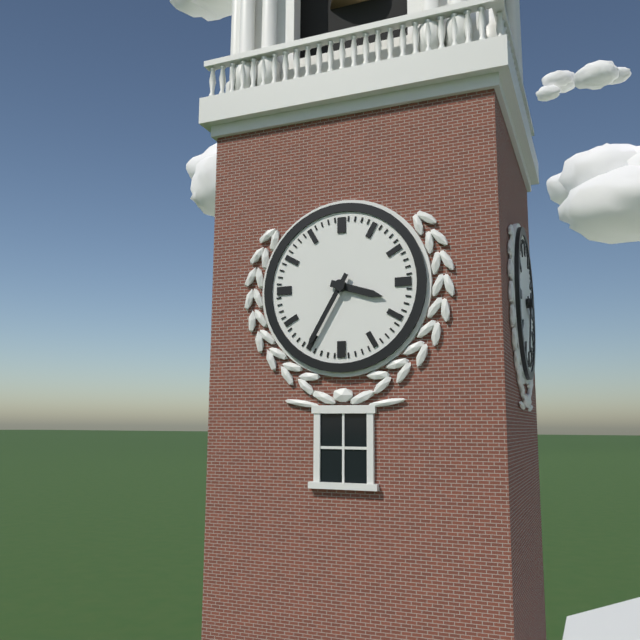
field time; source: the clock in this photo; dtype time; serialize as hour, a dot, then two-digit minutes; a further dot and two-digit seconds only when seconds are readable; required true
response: 3.35
